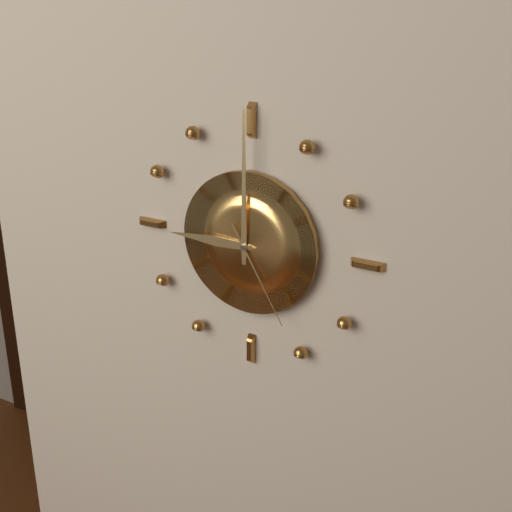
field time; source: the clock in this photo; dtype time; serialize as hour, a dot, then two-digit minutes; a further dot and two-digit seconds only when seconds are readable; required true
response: 9.00.25
